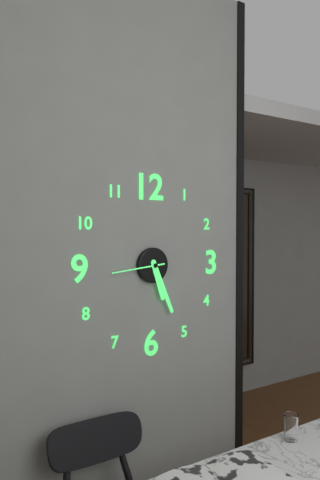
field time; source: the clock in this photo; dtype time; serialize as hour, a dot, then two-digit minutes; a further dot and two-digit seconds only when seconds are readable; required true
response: 5.26.44
